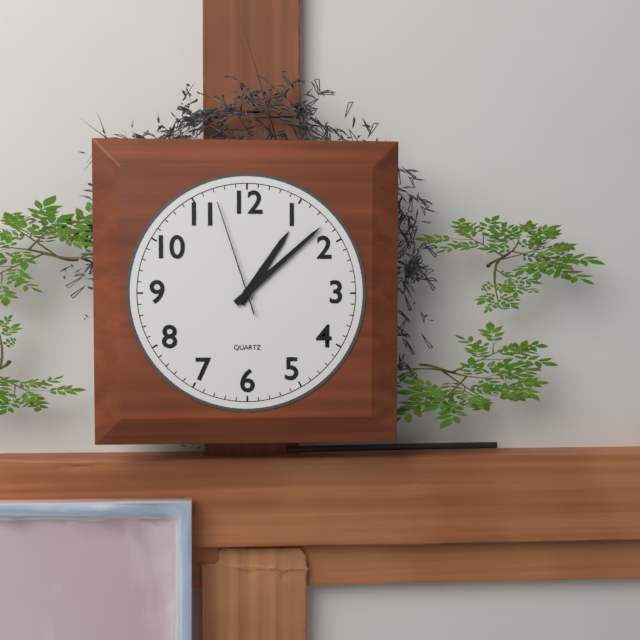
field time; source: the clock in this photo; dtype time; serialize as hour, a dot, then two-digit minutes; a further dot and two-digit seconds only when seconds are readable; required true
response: 1.08.57
